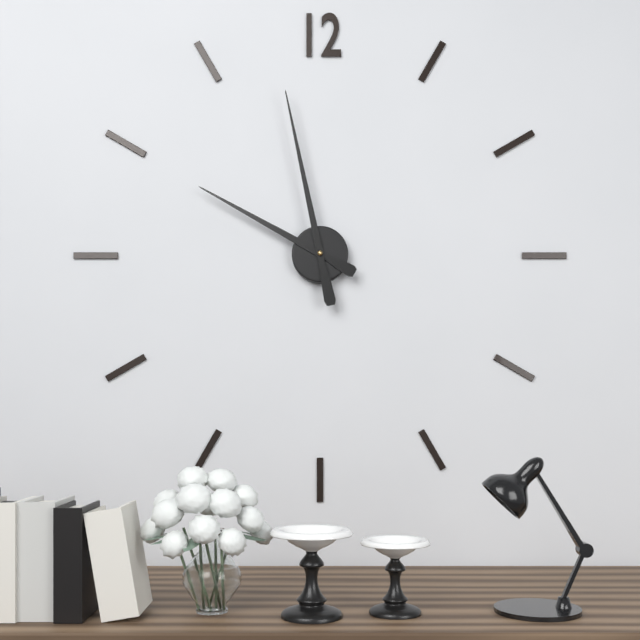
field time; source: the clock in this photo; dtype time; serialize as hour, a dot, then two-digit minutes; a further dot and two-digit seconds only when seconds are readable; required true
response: 9.58
